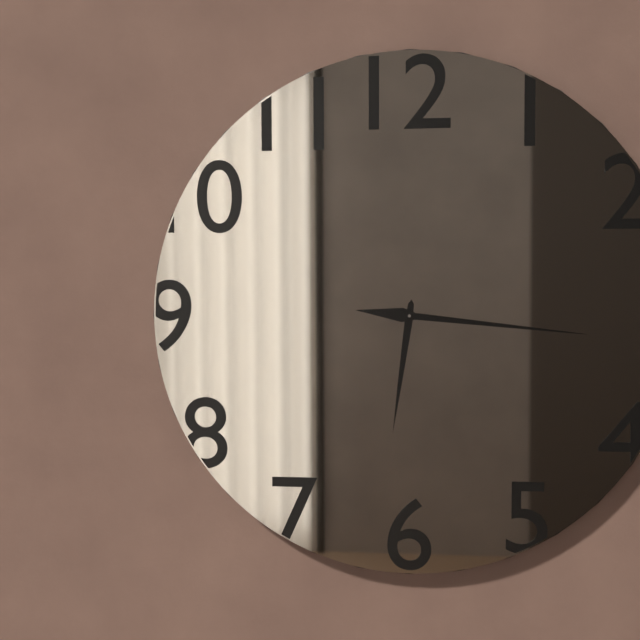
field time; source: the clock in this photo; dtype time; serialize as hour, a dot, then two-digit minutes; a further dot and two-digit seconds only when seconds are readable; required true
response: 6.16
